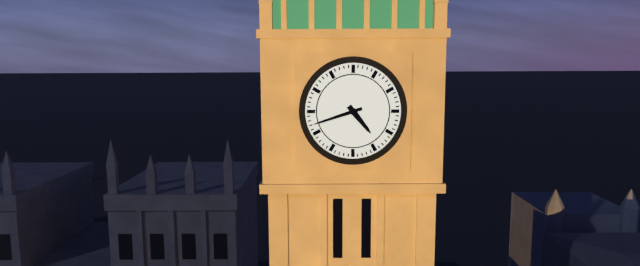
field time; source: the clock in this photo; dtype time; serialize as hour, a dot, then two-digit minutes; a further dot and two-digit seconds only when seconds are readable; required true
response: 4.42
